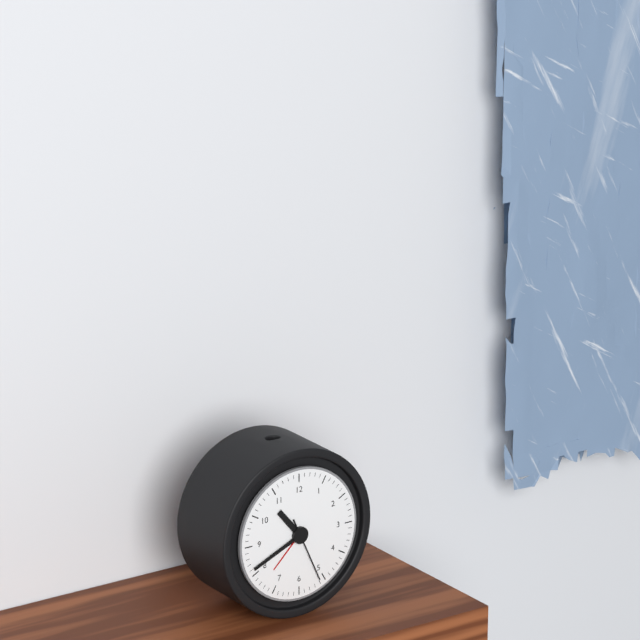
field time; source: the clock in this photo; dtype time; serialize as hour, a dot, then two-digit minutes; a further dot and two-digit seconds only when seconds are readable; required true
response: 10.41.26
